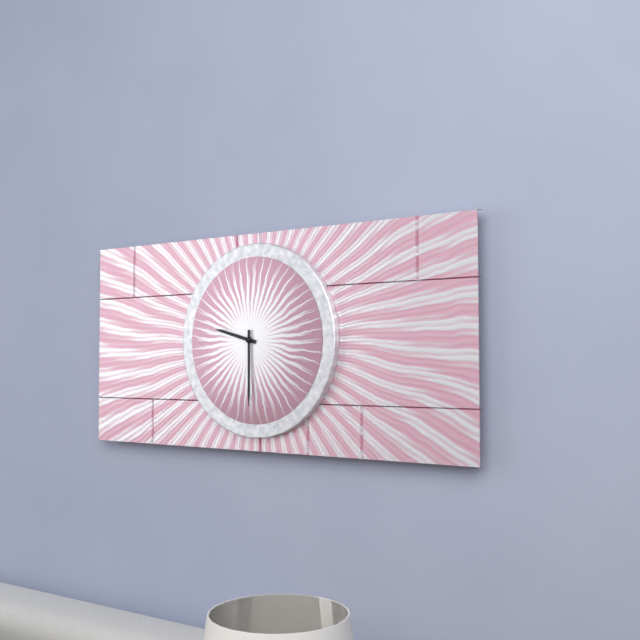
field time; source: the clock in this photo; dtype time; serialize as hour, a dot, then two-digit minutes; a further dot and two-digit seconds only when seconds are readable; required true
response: 9.30
